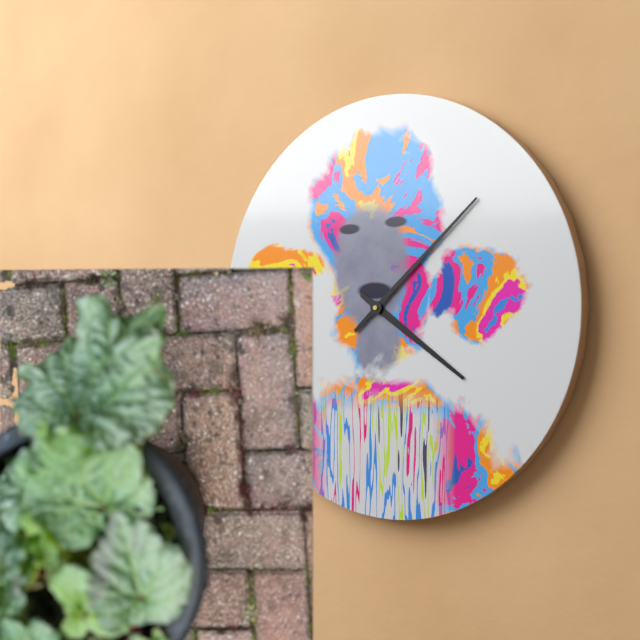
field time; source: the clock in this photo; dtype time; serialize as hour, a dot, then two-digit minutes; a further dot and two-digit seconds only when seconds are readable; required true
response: 4.08
